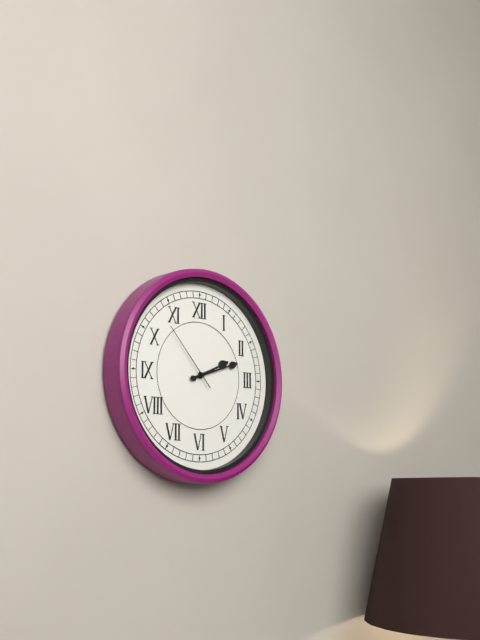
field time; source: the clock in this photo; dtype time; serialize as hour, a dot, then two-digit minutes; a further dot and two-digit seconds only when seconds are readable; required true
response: 2.12.53
